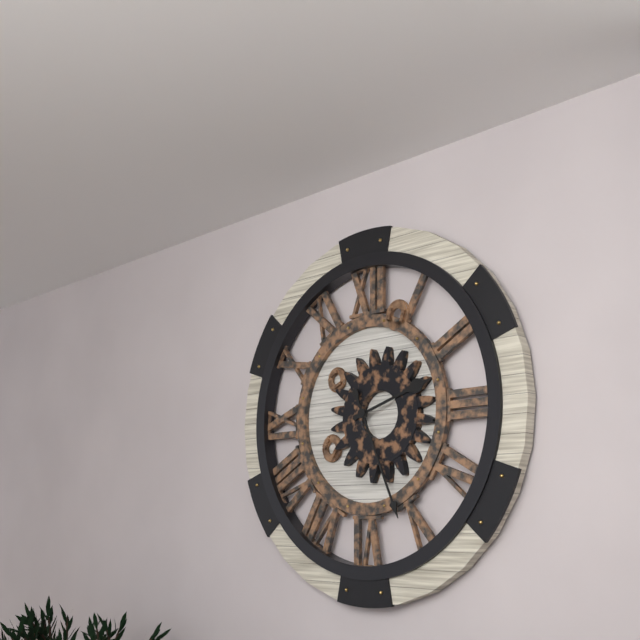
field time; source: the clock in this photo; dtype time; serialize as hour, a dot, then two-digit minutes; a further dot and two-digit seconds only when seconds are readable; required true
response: 2.26
